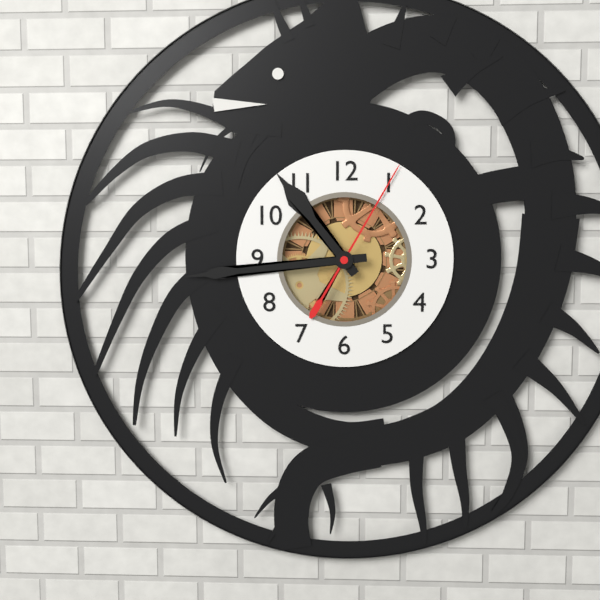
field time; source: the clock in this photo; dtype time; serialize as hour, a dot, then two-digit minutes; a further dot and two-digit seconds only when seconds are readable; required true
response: 10.44.05
